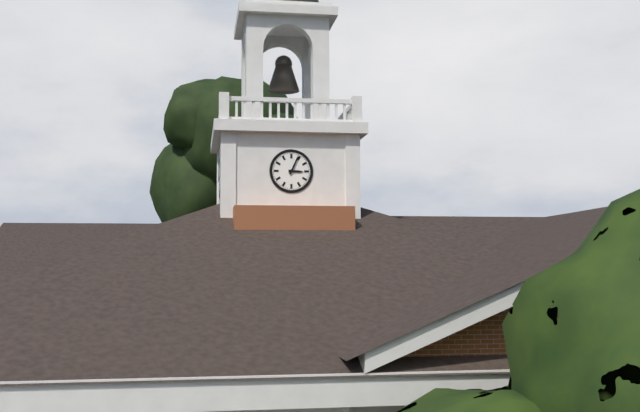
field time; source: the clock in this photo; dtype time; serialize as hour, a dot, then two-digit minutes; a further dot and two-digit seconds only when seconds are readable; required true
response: 3.04
